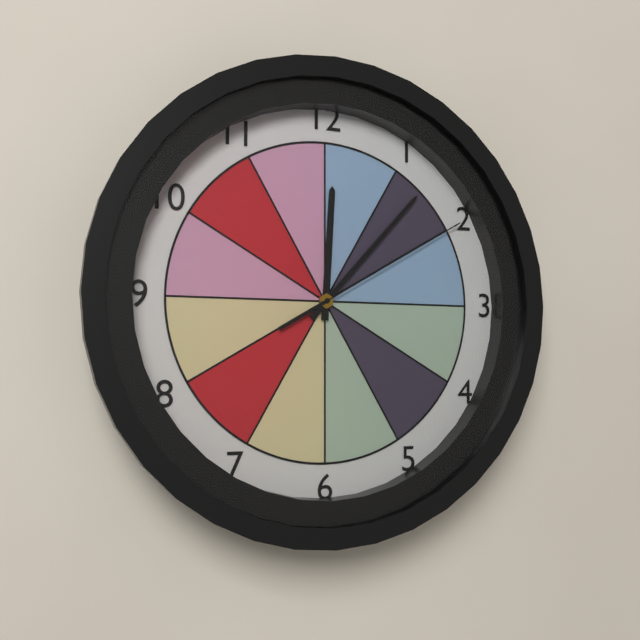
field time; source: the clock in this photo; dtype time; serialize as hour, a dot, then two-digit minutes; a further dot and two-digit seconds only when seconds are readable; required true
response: 12.07.10
